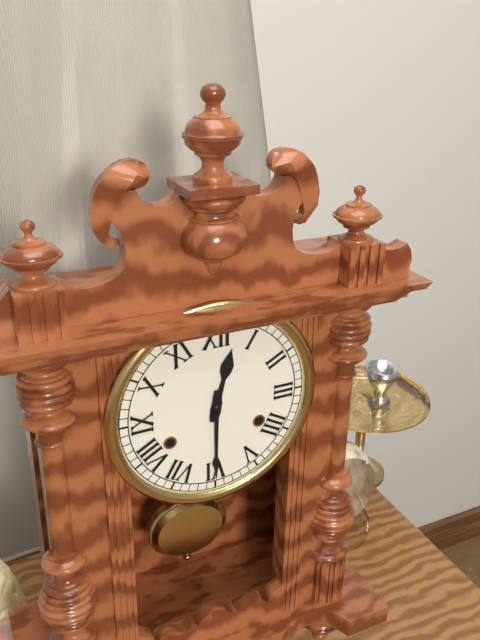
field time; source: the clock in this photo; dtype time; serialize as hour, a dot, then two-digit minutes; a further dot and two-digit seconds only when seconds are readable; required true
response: 12.30
